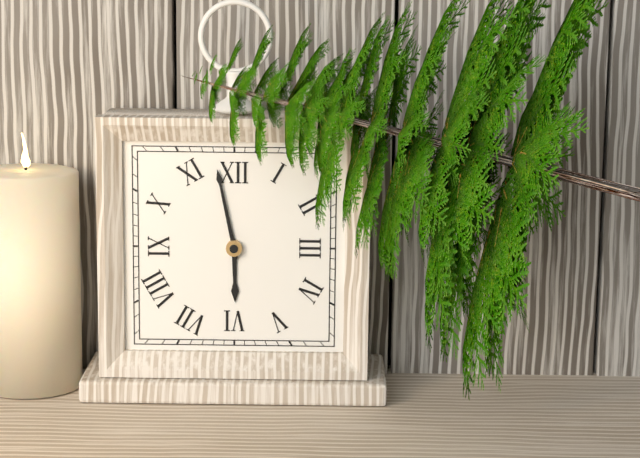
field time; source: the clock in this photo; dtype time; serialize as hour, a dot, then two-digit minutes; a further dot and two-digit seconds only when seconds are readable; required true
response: 5.58
